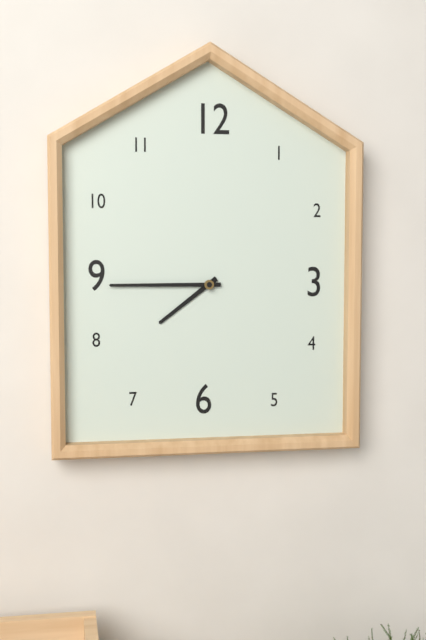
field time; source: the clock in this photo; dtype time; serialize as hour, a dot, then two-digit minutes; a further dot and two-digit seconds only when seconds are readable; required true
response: 7.45
